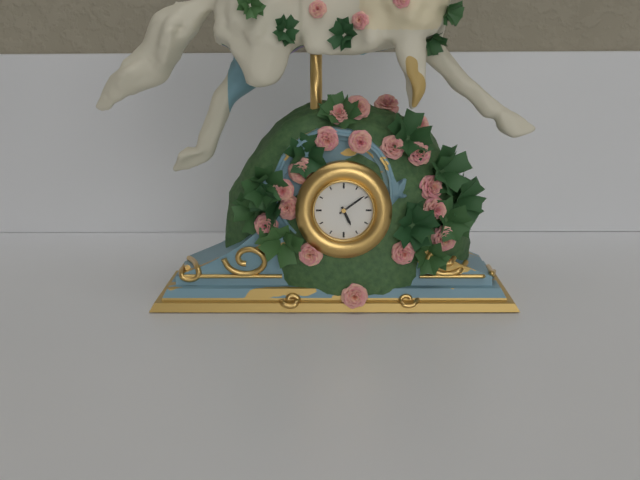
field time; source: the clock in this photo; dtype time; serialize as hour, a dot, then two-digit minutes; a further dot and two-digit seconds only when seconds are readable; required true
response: 5.09
